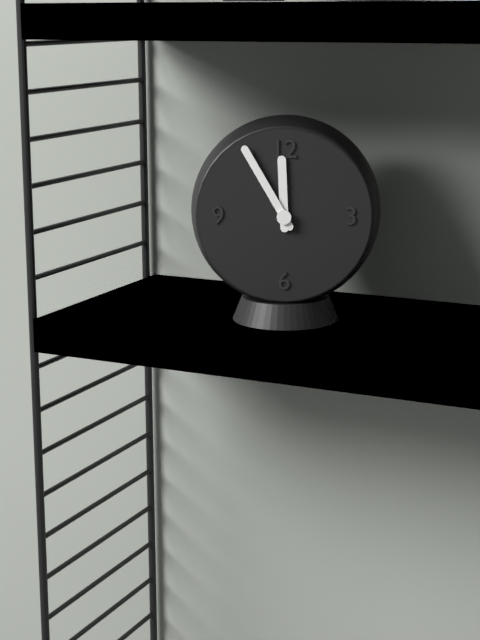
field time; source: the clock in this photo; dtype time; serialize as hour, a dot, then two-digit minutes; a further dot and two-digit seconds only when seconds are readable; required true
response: 11.55
